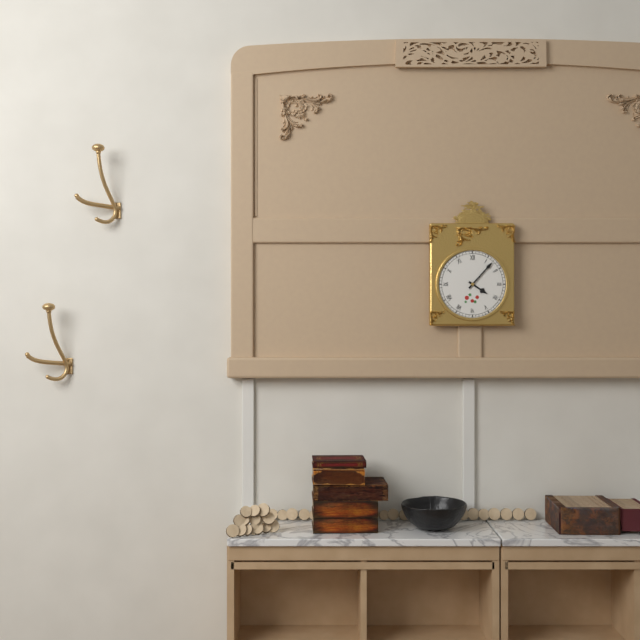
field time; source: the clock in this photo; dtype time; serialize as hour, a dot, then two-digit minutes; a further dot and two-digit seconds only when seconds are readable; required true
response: 4.07
